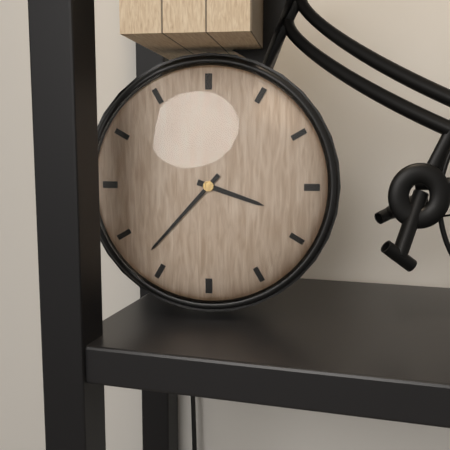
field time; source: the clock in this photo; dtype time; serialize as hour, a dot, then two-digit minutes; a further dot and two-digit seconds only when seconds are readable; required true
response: 3.37
